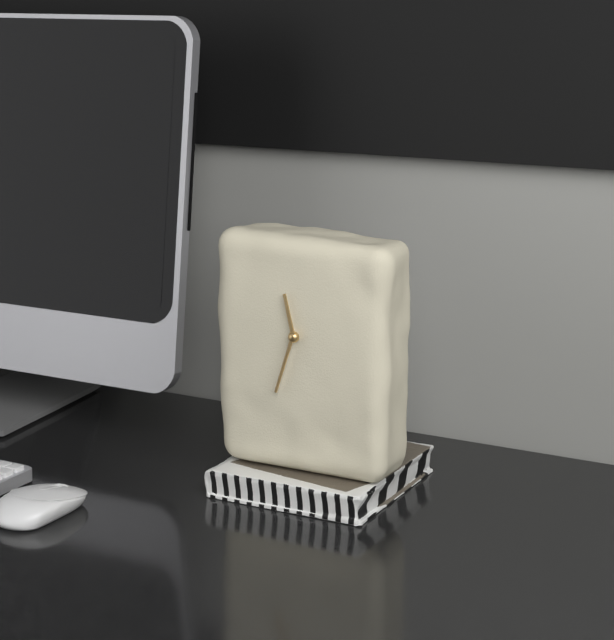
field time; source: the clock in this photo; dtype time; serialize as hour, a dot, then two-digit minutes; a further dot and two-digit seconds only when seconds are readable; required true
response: 11.33
